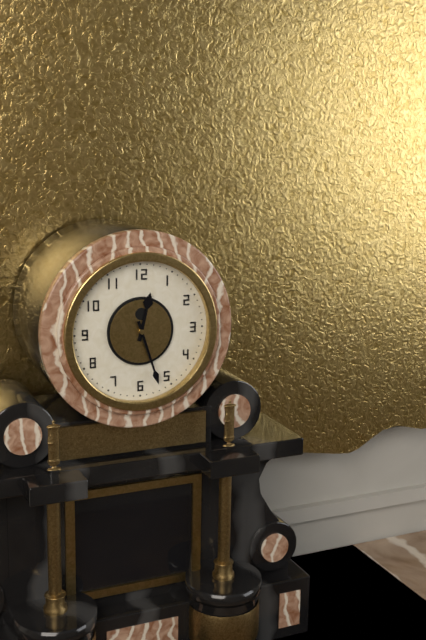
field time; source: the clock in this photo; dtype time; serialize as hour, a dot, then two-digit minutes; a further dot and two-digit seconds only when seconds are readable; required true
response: 12.27
